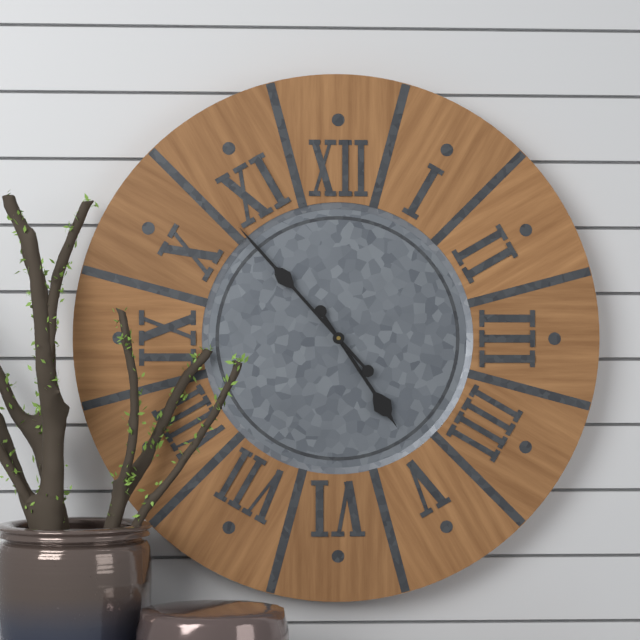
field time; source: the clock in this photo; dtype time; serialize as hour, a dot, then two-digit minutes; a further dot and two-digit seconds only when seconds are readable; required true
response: 4.53
